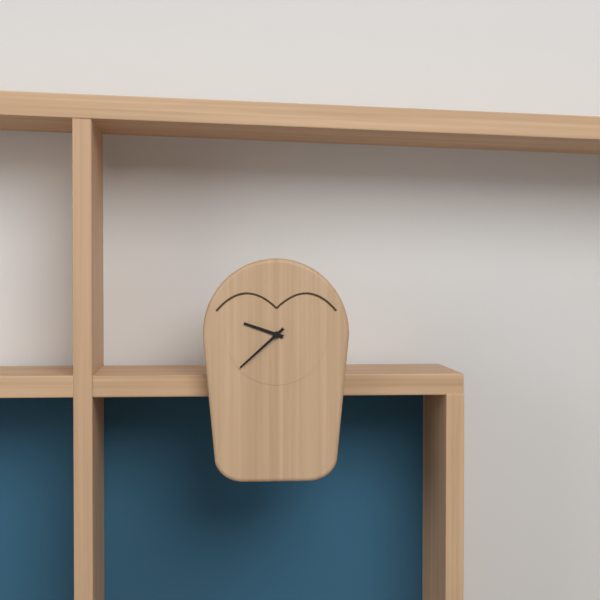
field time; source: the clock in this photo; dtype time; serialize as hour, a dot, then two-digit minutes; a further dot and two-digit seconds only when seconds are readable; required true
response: 9.38
